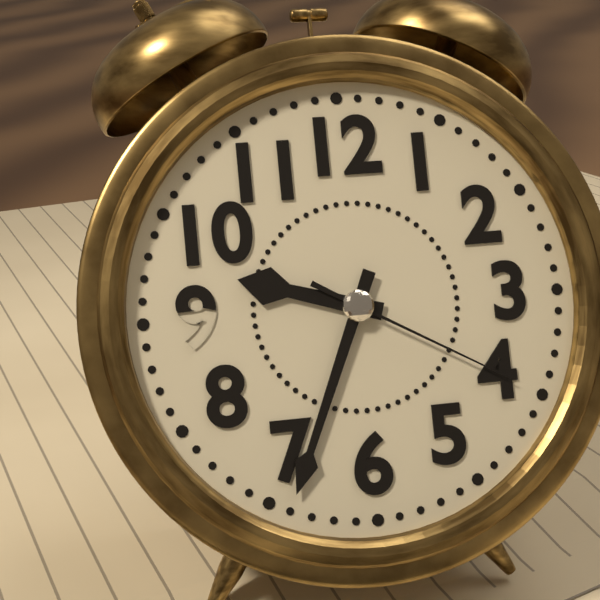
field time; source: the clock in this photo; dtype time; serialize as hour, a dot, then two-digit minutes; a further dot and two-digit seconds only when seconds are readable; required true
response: 9.34.20
